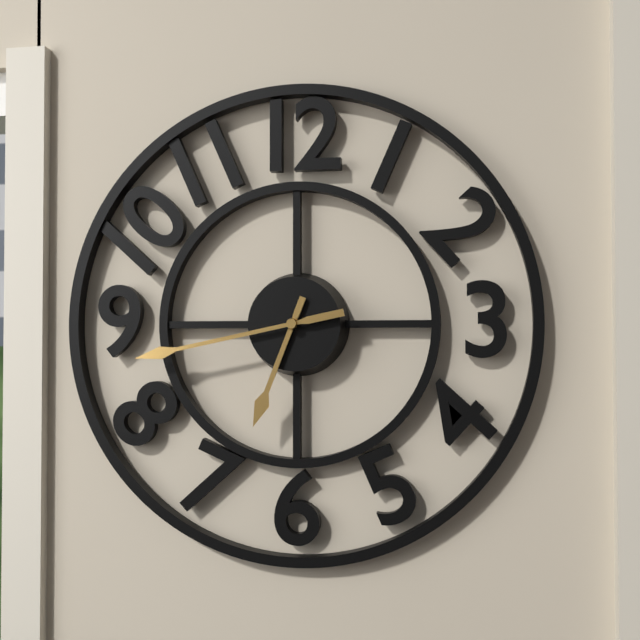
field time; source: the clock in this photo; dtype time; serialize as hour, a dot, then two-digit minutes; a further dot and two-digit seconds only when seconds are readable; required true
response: 6.43
